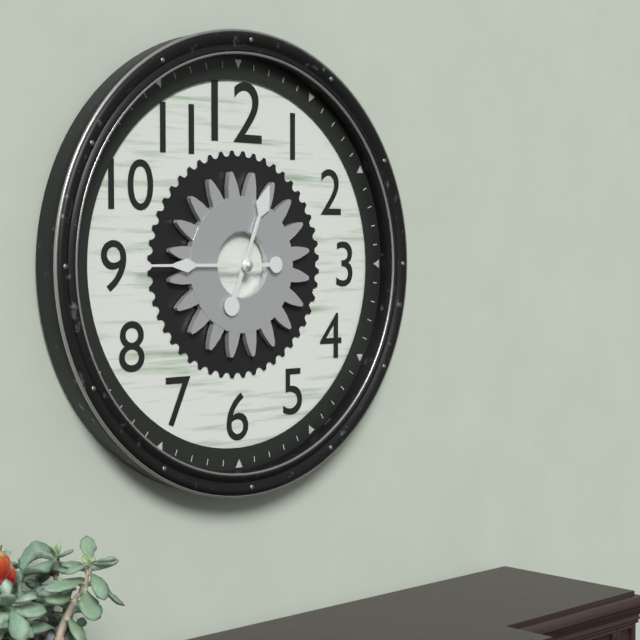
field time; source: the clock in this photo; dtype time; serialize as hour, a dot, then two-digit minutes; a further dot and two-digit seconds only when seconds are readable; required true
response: 12.45
